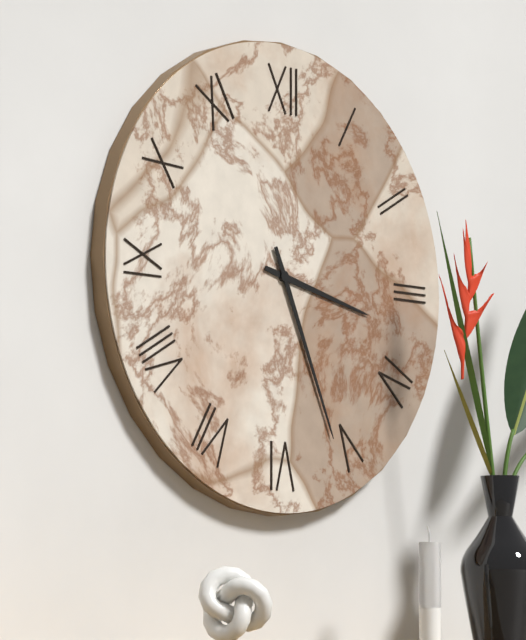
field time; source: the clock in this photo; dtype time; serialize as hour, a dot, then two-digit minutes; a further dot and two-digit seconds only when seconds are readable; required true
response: 3.26
